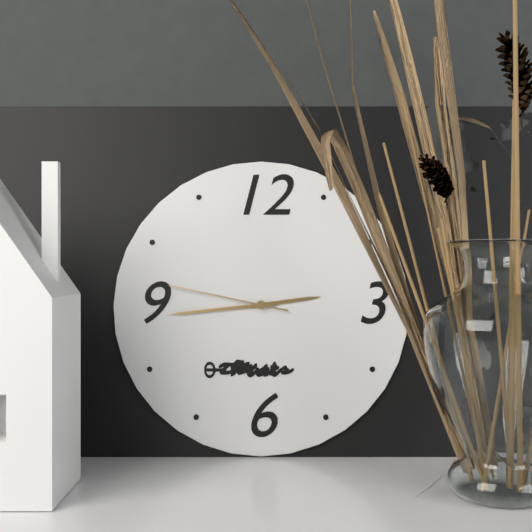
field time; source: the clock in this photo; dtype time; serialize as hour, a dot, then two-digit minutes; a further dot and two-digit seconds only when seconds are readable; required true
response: 2.44.47
